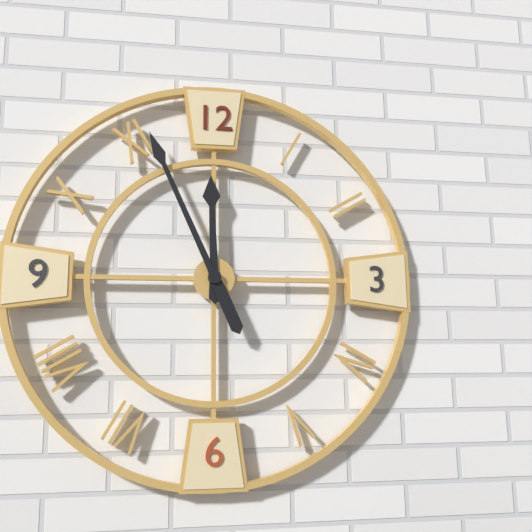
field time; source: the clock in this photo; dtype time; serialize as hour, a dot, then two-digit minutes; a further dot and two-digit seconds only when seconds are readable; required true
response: 11.56
